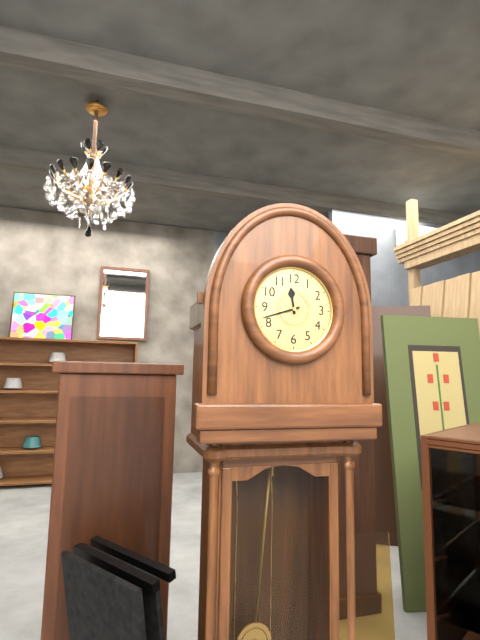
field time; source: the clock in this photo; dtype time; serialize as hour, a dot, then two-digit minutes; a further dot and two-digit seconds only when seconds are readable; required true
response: 11.42
